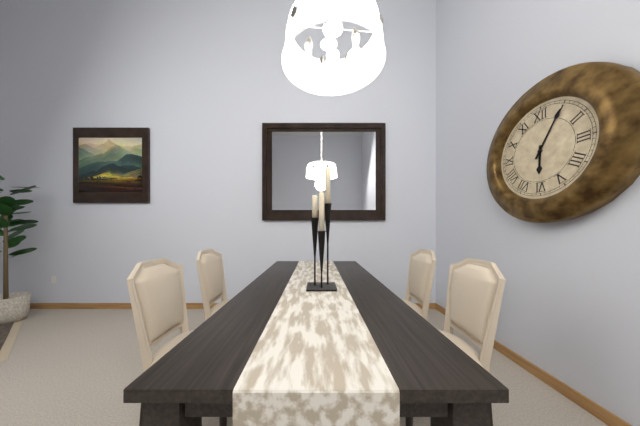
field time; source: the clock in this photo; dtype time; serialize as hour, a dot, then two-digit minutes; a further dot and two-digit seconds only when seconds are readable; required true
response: 6.05
